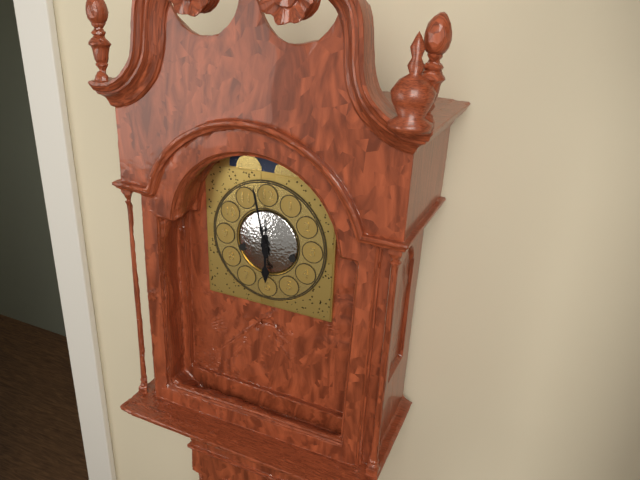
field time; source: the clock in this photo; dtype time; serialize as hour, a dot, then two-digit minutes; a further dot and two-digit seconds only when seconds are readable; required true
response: 5.58
